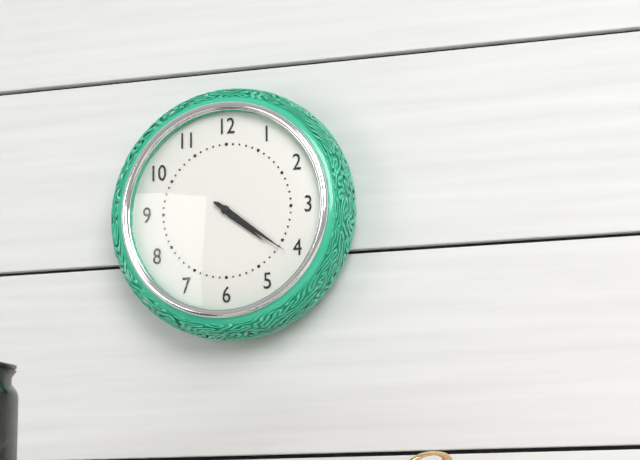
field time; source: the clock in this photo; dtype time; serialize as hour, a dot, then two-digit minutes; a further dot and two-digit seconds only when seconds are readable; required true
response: 4.21
